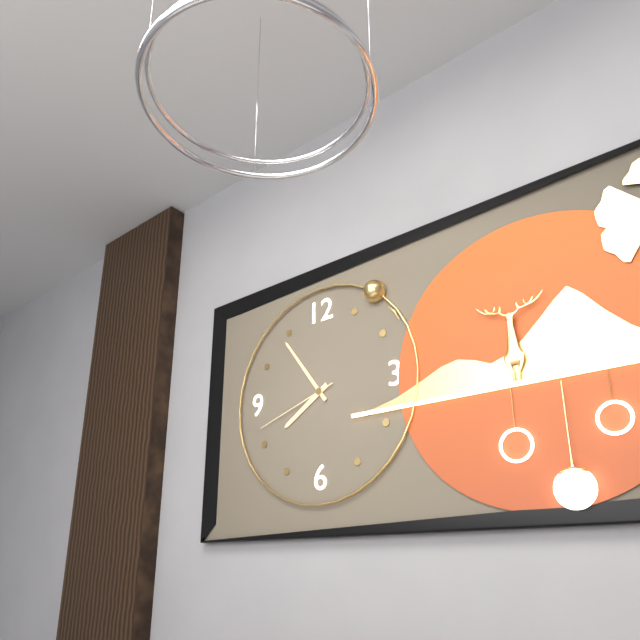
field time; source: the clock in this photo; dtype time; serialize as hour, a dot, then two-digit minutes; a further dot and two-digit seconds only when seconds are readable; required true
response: 7.54.42
